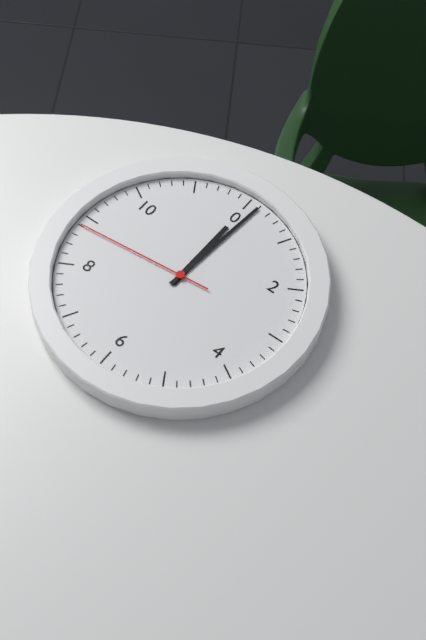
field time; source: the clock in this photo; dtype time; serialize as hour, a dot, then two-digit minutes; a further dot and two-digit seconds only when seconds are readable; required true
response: 12.01.44
